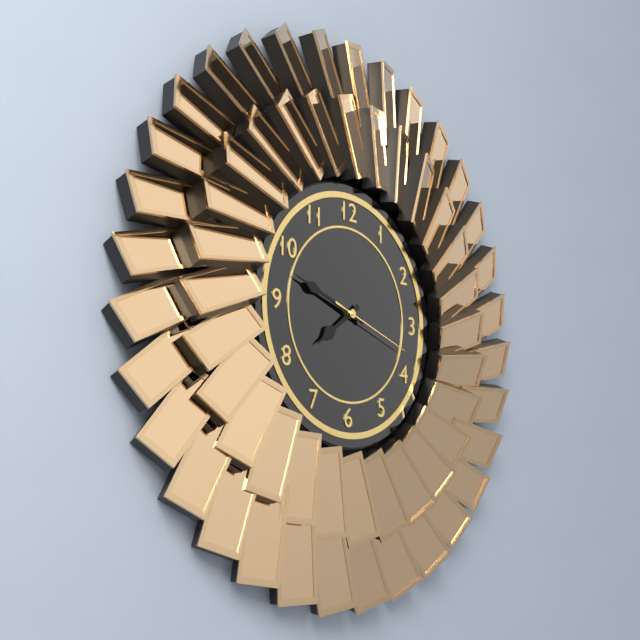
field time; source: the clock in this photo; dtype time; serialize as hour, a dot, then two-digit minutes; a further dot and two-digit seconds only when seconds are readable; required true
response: 7.48.18
